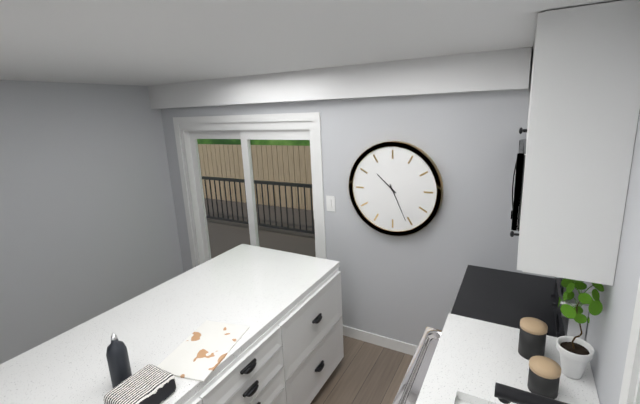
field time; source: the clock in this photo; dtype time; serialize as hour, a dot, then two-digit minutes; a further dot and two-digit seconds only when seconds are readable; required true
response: 10.26
